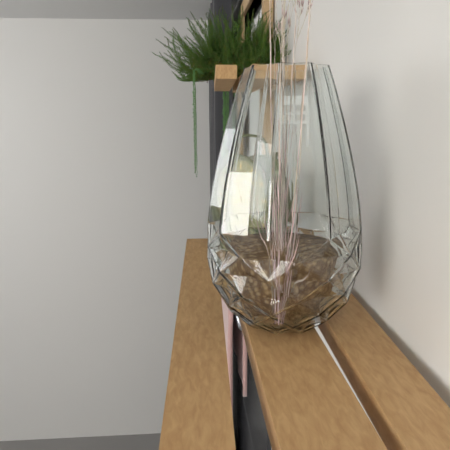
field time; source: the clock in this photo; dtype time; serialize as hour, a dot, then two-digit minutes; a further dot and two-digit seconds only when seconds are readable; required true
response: 7.57
